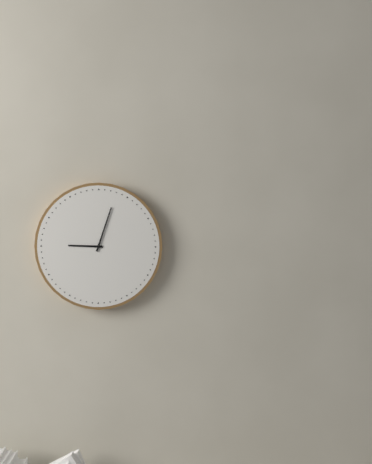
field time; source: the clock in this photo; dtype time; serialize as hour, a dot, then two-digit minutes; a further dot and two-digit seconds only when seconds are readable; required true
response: 9.03
